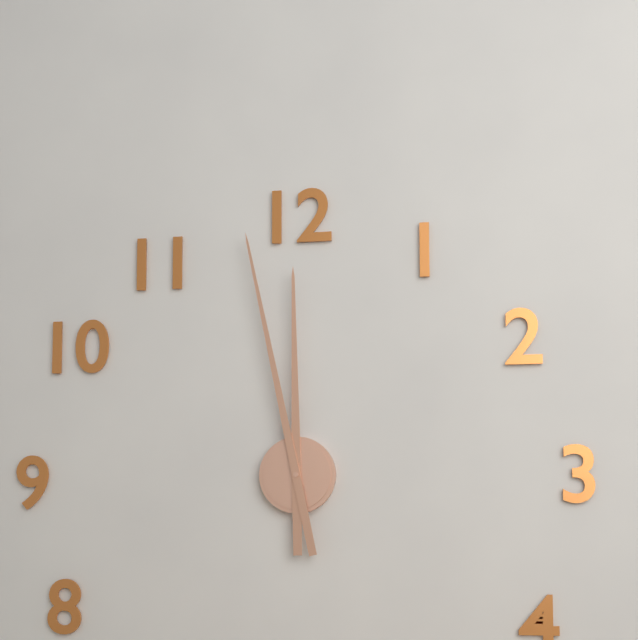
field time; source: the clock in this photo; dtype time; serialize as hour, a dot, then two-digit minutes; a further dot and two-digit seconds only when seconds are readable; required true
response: 11.58
